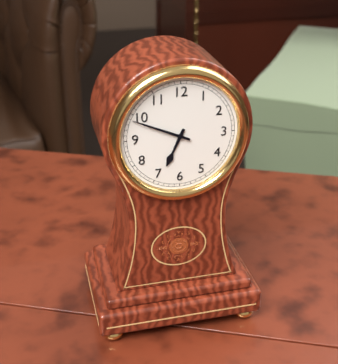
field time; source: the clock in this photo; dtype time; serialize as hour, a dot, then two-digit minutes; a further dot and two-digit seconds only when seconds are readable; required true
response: 6.49
